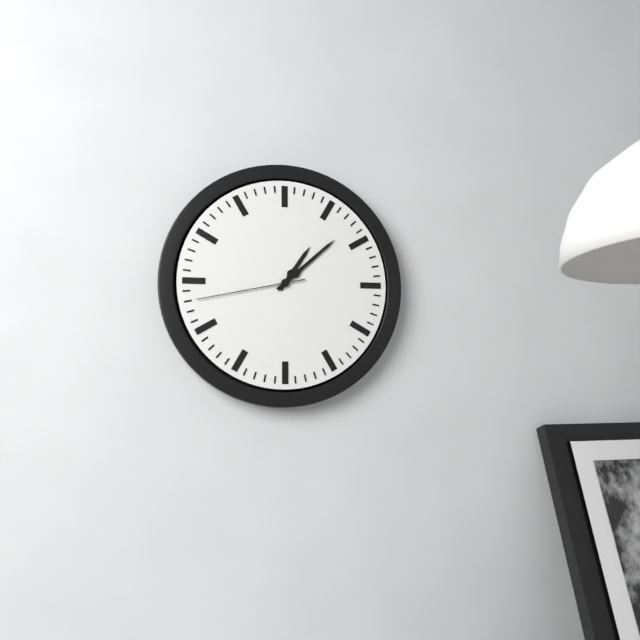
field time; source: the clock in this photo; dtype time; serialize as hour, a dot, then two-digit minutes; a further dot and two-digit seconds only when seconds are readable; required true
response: 1.08.43
